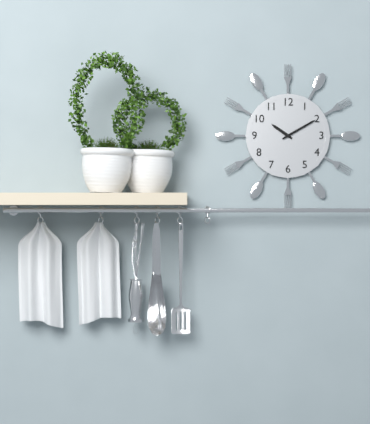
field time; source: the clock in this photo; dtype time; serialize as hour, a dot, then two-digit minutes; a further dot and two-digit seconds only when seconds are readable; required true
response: 10.10
